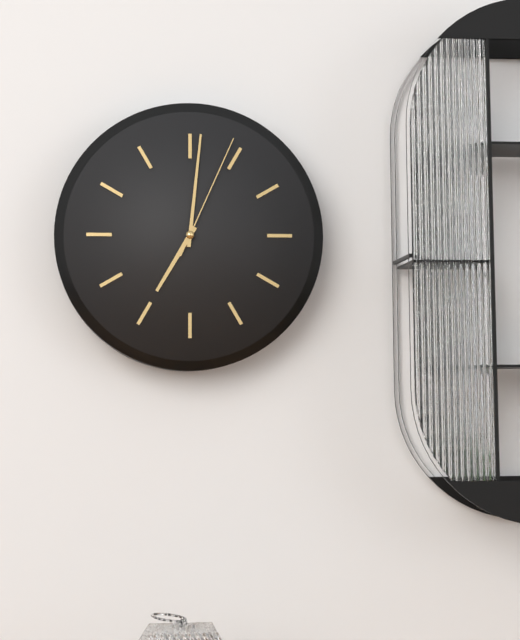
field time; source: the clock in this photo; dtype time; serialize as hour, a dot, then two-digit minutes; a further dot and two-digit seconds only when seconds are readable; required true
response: 7.01.04
